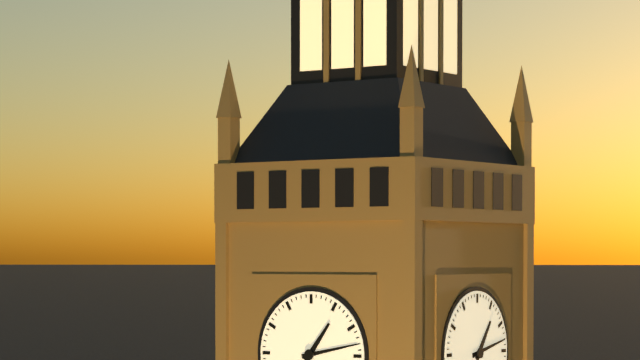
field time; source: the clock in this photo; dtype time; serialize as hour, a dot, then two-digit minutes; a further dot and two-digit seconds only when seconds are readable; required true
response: 1.13
